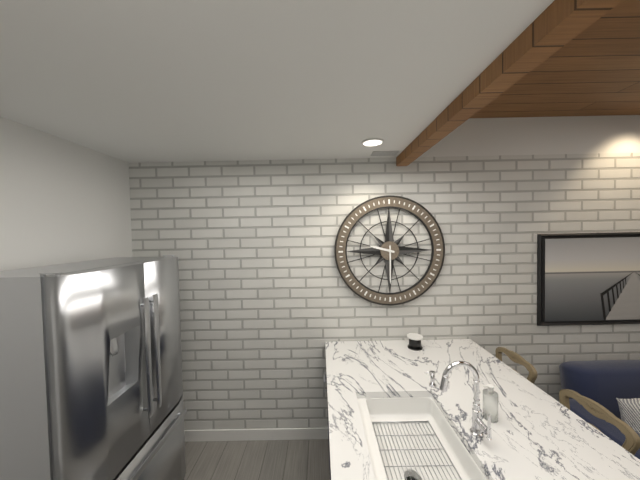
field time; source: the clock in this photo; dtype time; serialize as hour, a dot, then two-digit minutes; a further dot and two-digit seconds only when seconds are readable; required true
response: 9.30
